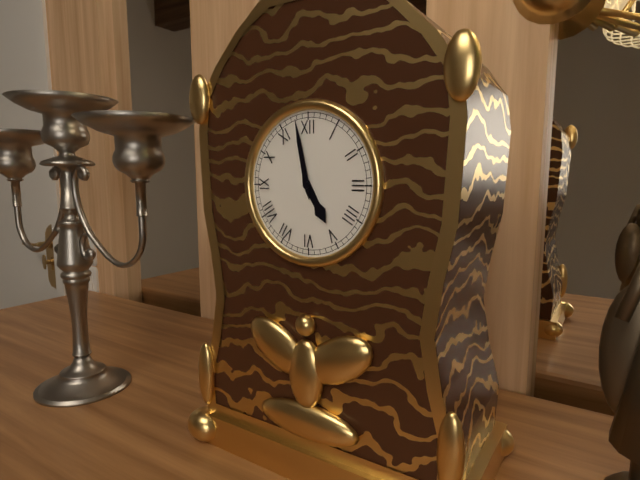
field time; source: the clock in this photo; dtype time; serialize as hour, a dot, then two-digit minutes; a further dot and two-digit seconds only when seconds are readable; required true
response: 4.58
